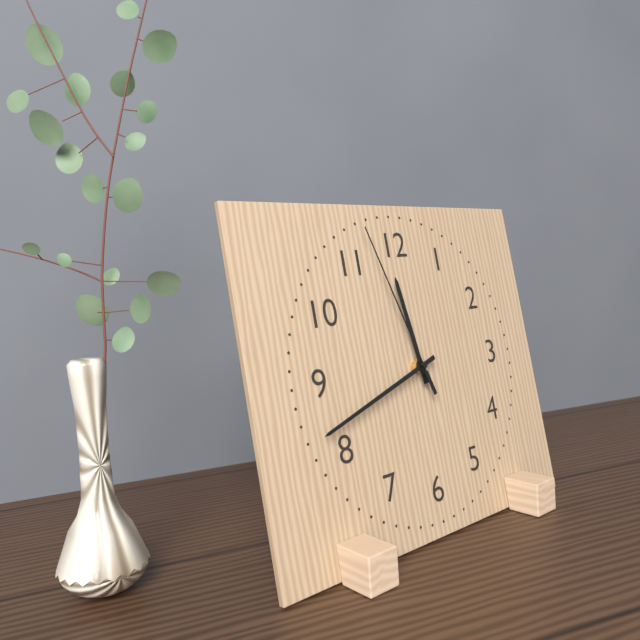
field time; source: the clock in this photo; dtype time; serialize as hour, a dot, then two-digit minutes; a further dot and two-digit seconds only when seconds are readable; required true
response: 11.42.57
